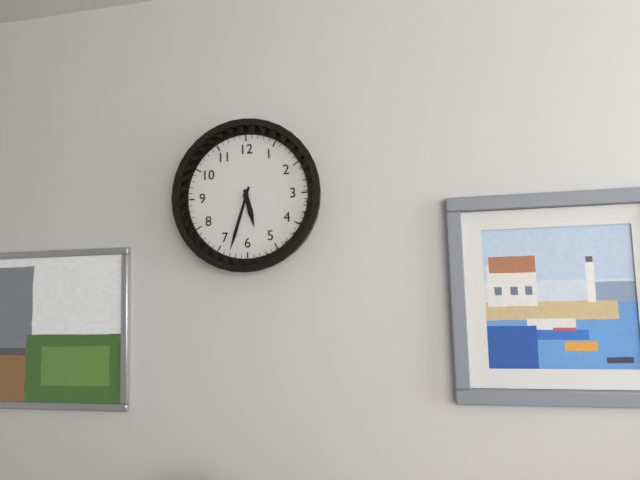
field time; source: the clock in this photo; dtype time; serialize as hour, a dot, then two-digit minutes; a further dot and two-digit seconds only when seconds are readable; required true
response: 5.33
